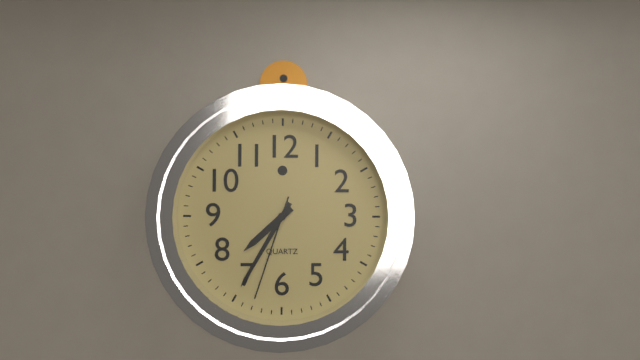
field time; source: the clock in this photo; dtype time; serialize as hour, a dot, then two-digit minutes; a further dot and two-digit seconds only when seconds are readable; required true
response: 7.35.33
